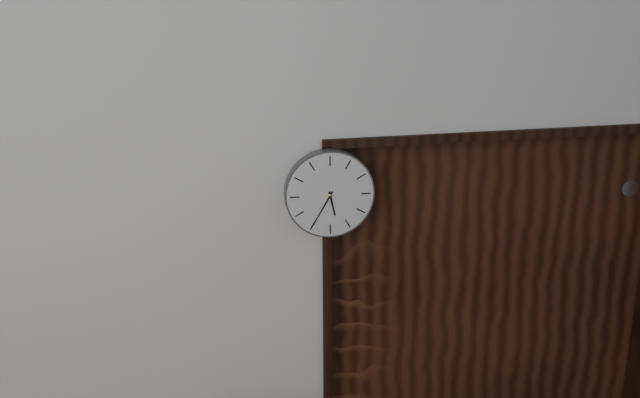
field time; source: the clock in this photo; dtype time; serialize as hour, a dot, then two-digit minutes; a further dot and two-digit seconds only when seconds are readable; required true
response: 5.35
